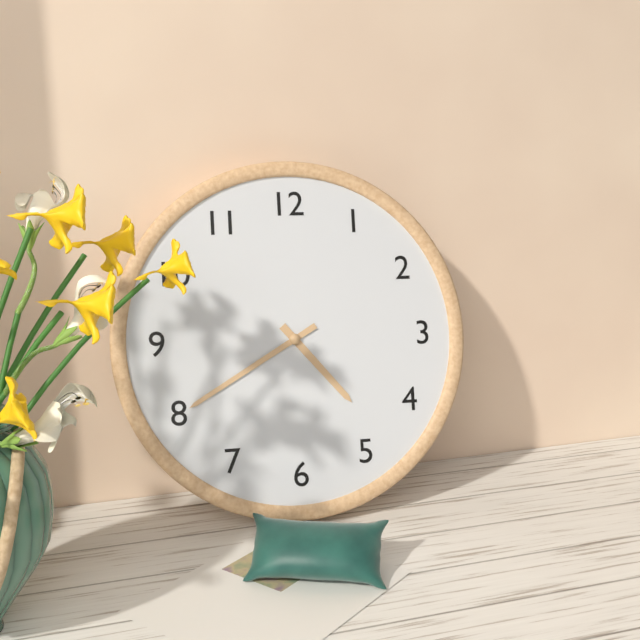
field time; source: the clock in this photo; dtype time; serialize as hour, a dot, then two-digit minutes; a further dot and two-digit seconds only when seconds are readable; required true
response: 4.40
